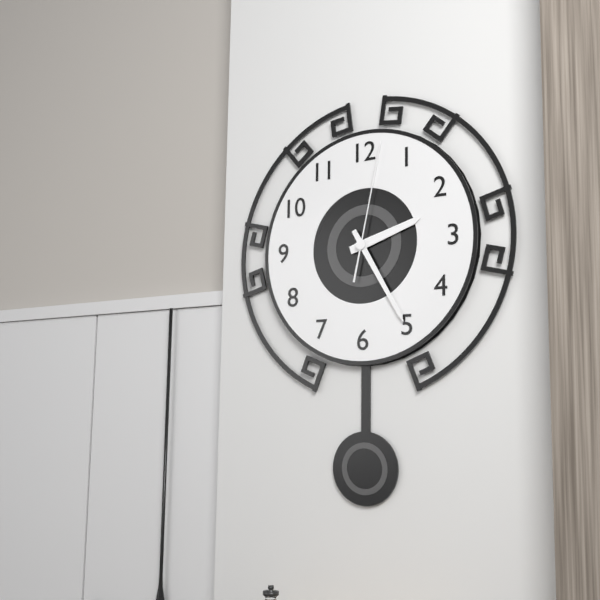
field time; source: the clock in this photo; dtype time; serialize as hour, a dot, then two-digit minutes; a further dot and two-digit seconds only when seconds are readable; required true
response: 2.25.02
